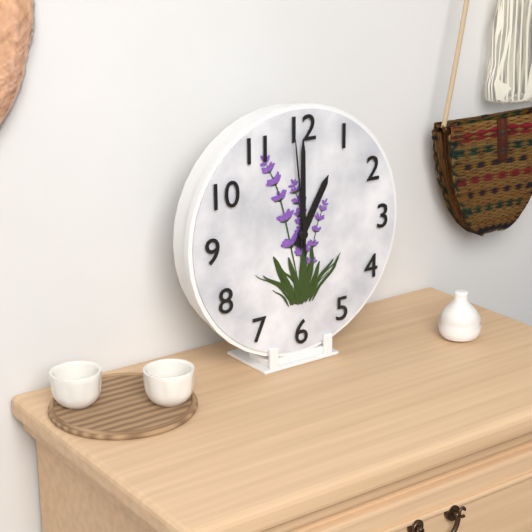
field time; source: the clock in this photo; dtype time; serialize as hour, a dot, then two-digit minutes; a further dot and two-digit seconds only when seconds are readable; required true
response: 1.00.59
